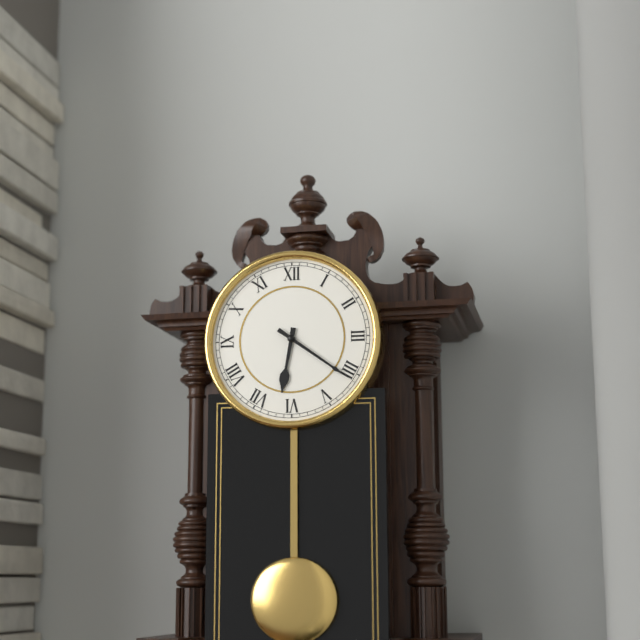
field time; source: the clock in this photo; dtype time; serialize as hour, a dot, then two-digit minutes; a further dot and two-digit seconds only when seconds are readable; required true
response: 6.21
